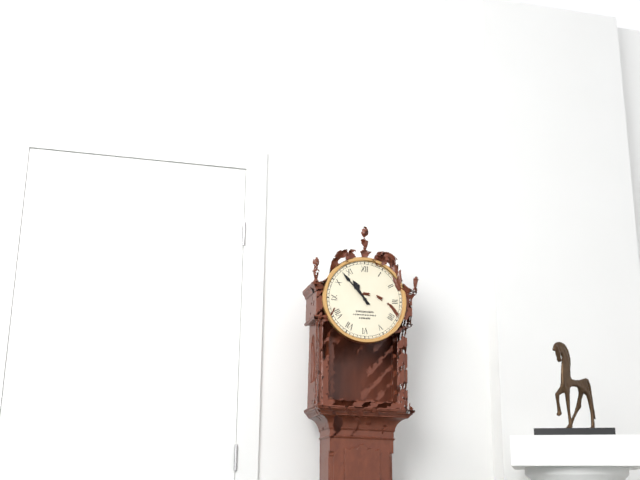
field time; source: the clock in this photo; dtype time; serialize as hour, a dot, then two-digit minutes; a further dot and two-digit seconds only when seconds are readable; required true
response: 10.53
